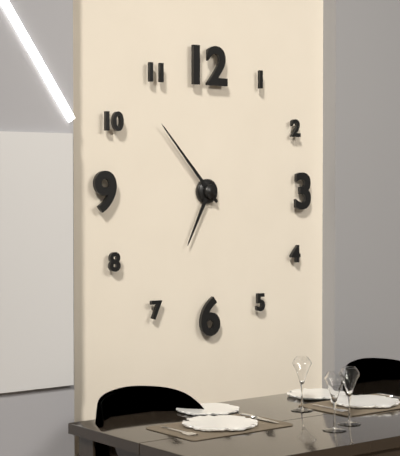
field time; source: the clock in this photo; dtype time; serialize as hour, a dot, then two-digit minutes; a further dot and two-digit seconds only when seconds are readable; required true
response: 6.53
